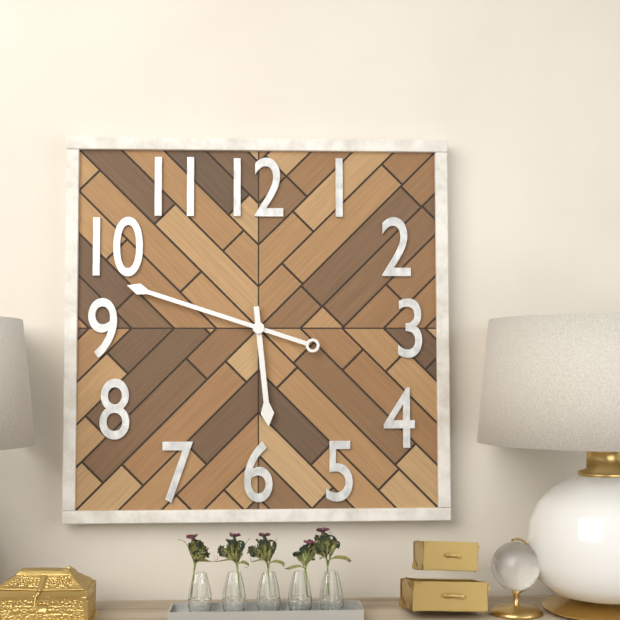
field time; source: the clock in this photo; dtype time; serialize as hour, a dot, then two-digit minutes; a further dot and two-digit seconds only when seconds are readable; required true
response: 5.48
